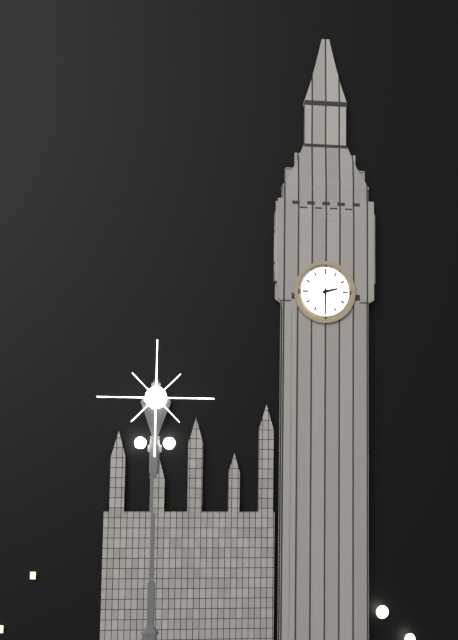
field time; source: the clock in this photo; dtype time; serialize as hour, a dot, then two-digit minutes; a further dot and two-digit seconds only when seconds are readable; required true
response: 2.30
